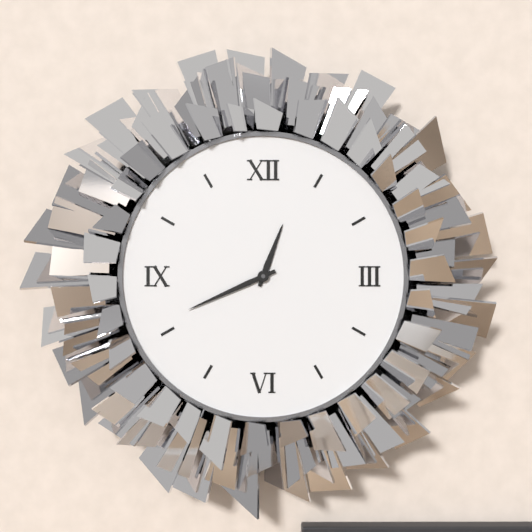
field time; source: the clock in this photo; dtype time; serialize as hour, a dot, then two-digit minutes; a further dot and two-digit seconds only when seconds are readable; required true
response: 12.41
